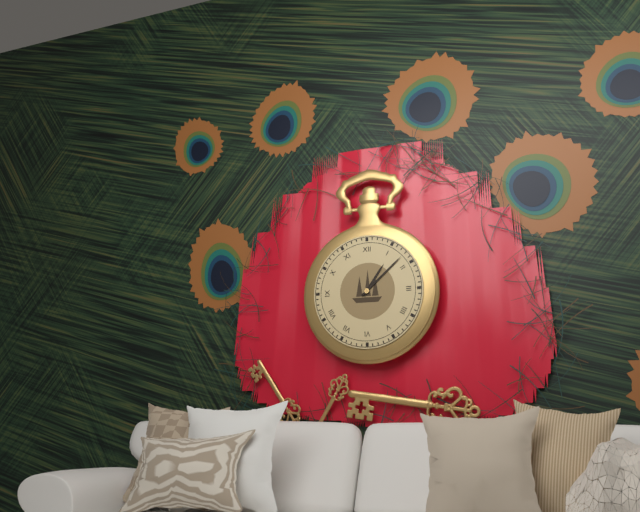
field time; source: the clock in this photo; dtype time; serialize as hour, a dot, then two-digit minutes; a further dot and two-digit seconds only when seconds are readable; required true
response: 1.08
